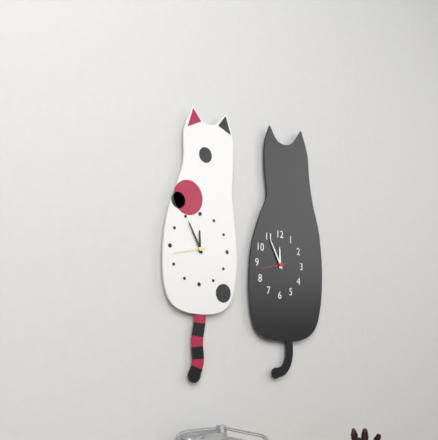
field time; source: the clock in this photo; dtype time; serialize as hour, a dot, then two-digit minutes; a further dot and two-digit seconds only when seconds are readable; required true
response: 11.55
